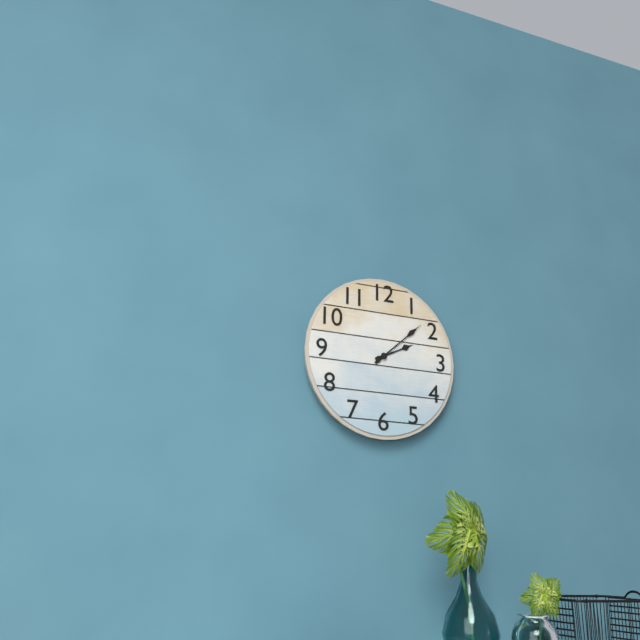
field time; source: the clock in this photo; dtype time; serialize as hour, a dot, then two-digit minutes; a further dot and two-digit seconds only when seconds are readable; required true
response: 2.08
